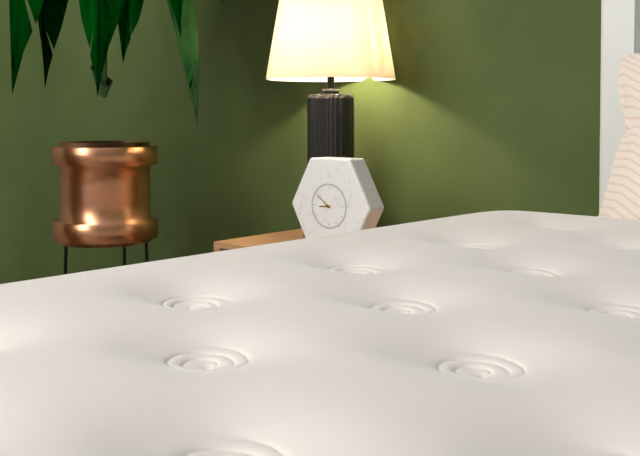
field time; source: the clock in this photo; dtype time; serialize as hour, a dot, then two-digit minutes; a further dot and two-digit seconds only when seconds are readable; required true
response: 8.51
